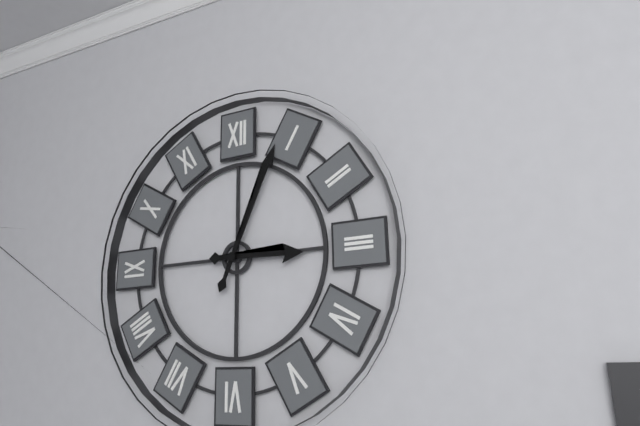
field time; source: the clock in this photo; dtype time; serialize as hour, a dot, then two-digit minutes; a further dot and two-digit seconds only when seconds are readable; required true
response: 3.04
